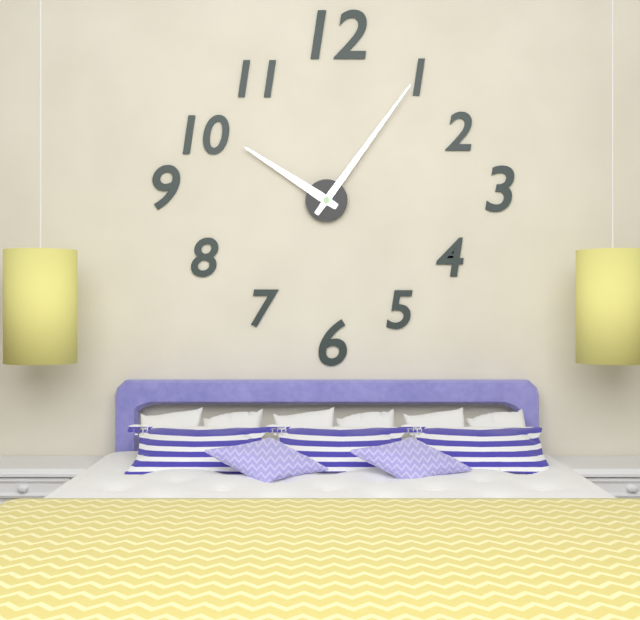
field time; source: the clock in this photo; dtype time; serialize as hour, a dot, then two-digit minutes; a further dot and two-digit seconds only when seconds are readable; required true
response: 10.06
